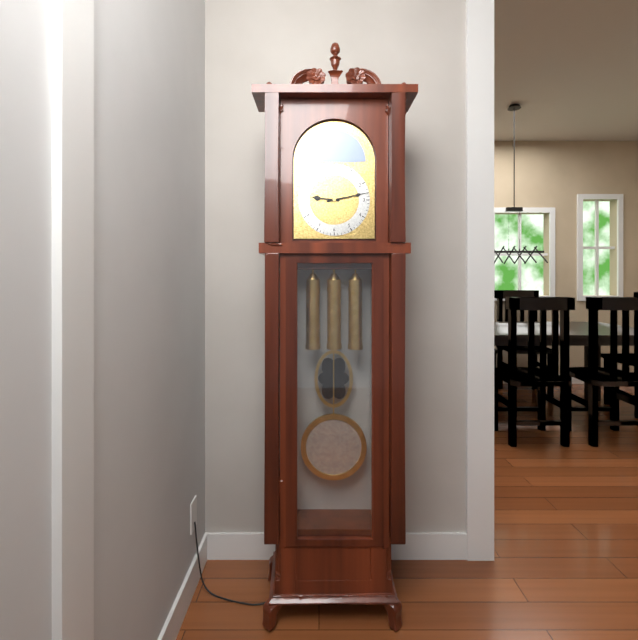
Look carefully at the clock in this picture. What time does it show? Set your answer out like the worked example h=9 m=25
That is h=9 m=13
